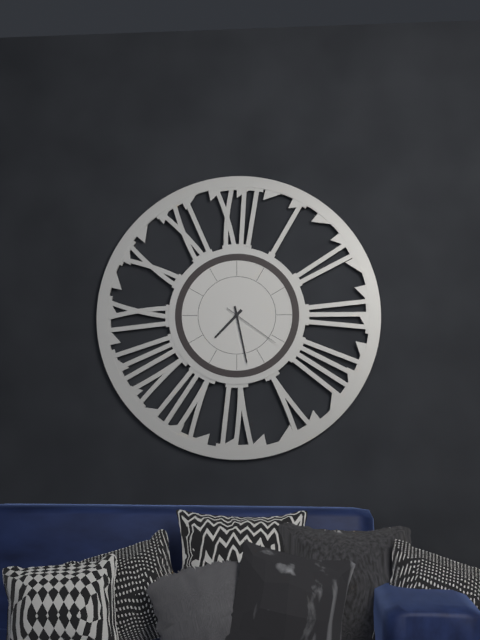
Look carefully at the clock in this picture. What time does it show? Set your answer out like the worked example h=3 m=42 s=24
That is h=7 m=28 s=21
